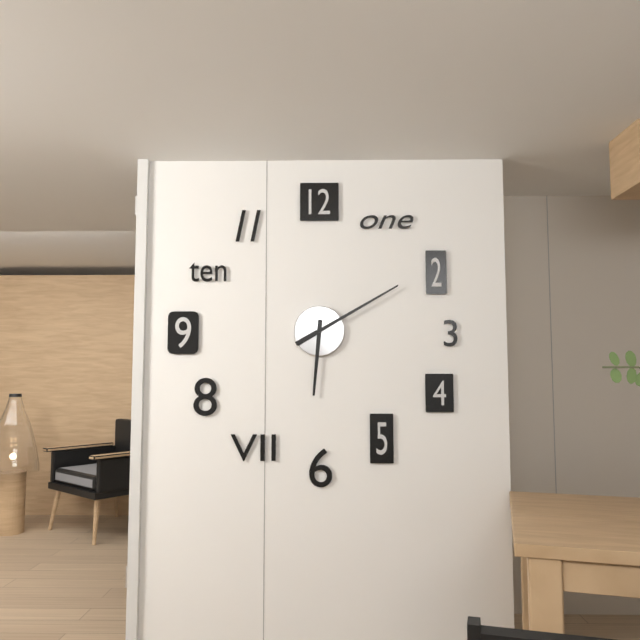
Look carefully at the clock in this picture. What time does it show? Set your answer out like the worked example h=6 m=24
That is h=6 m=10
